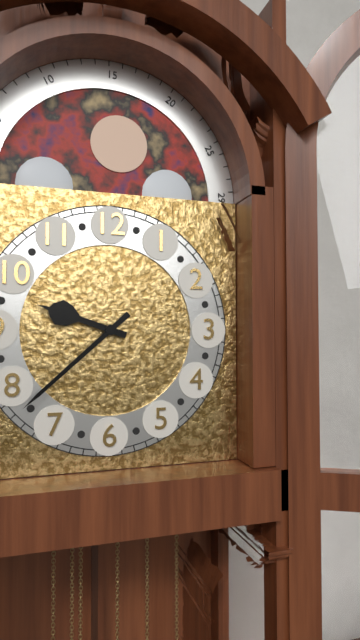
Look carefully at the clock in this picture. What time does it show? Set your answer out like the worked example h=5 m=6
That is h=9 m=38
